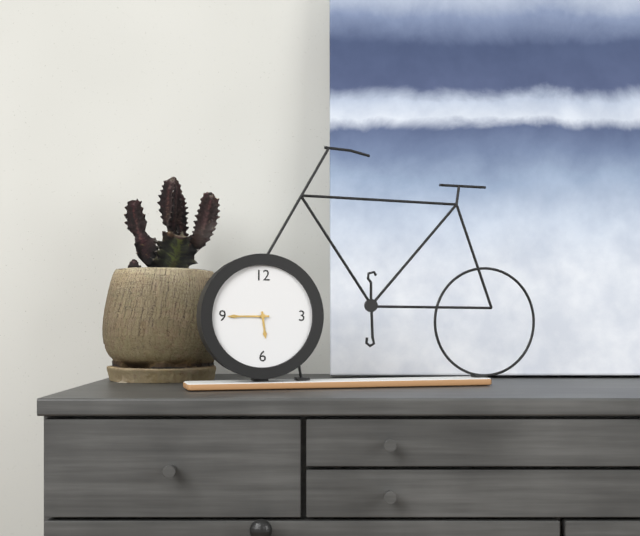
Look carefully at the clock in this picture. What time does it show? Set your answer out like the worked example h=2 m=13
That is h=5 m=45
